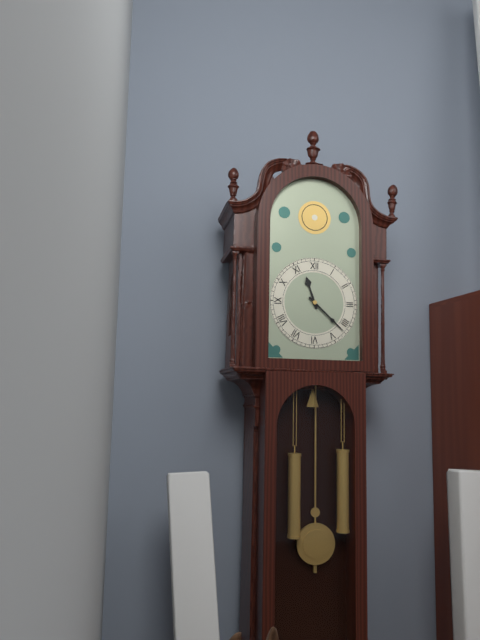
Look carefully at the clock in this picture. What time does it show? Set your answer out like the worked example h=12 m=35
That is h=11 m=22
